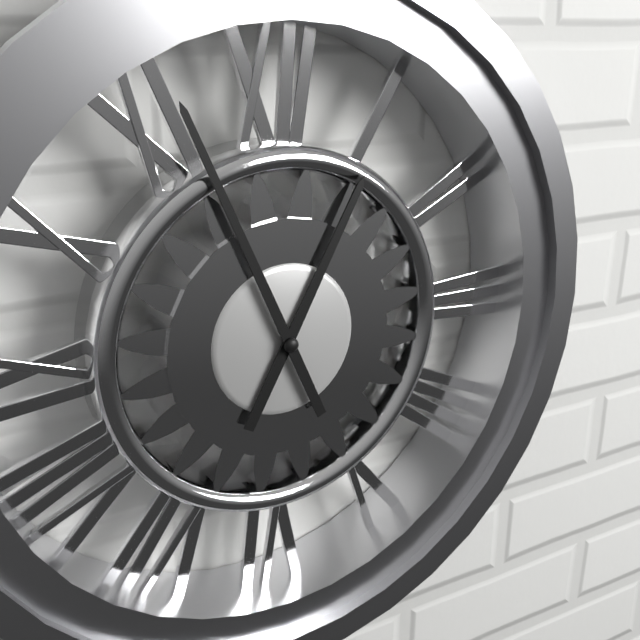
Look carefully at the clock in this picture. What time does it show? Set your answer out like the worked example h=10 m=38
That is h=12 m=56
